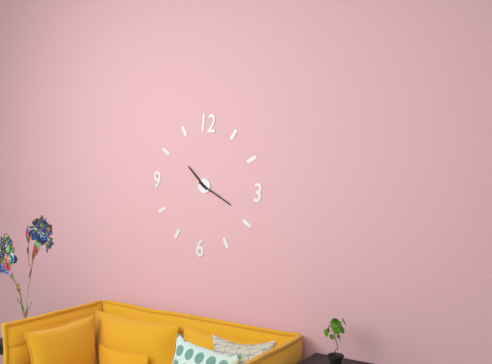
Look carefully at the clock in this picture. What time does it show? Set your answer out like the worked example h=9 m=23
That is h=10 m=19
